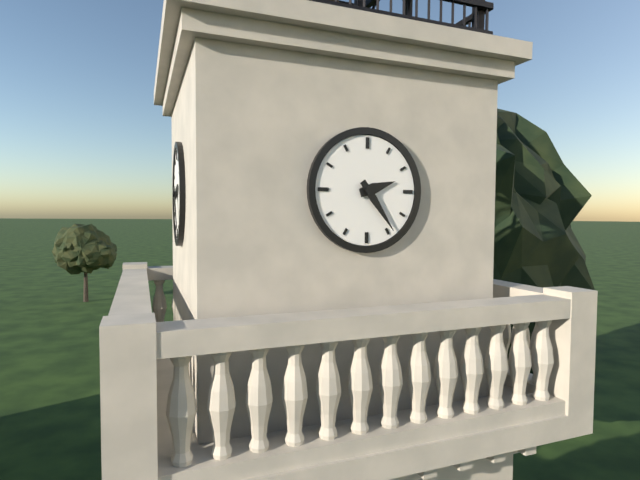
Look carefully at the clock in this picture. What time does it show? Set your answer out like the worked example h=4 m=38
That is h=2 m=24
